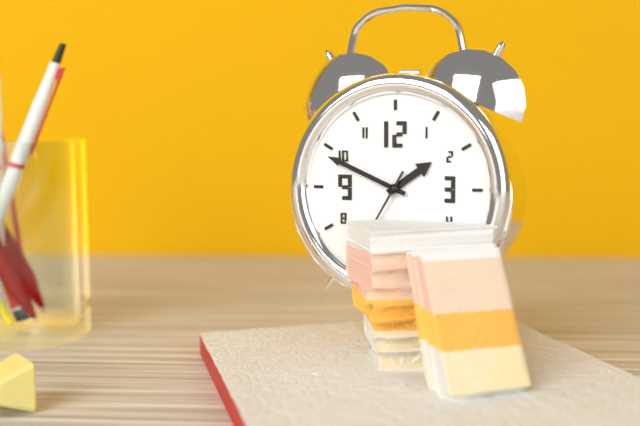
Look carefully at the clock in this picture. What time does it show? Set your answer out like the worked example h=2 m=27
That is h=1 m=49
